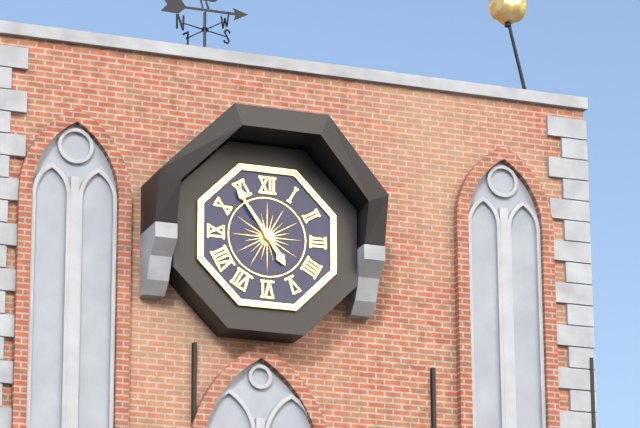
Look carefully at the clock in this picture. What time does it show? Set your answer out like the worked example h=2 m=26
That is h=4 m=54
